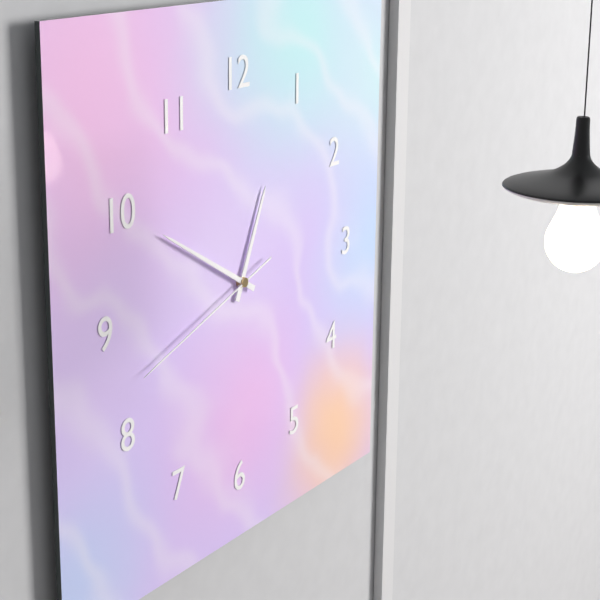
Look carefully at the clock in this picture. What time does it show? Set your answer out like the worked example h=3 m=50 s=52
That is h=12 m=50 s=42
